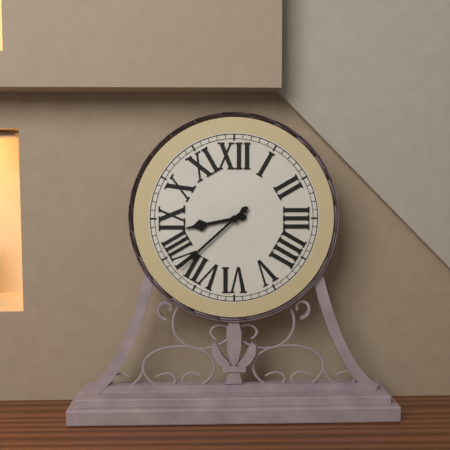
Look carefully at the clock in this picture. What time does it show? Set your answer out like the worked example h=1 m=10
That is h=8 m=38
